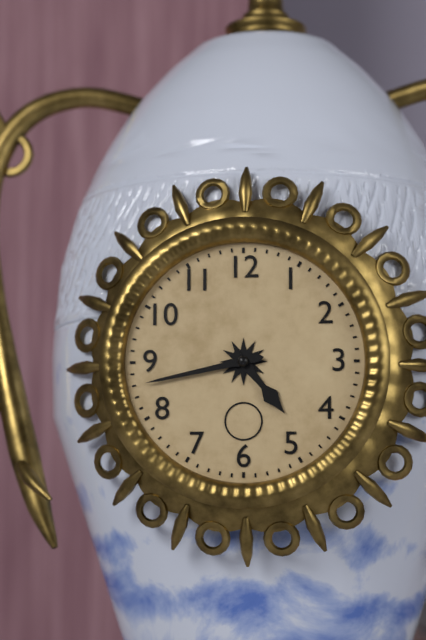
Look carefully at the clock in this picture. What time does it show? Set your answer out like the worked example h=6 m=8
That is h=4 m=43
